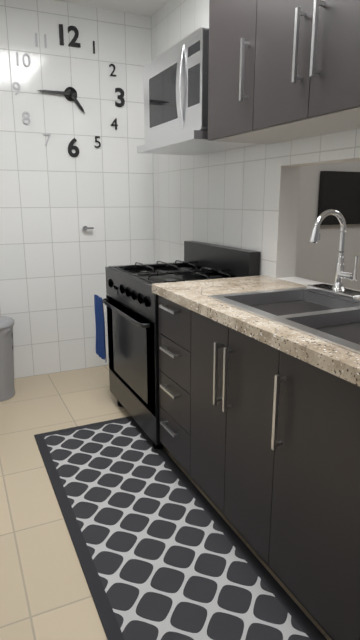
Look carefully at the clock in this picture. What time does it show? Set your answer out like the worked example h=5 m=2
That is h=4 m=45
